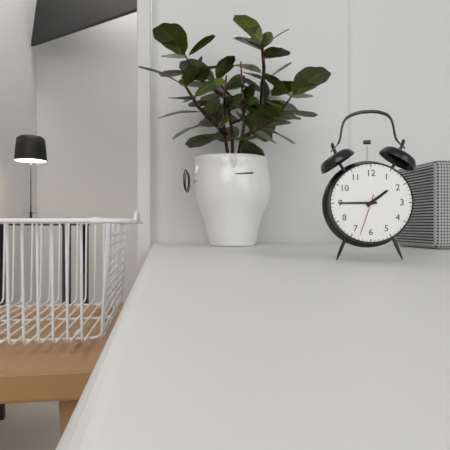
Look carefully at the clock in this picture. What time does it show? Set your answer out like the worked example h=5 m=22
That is h=1 m=45
